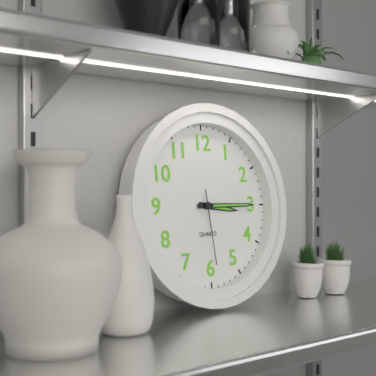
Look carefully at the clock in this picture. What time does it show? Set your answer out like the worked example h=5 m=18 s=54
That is h=3 m=15 s=29
